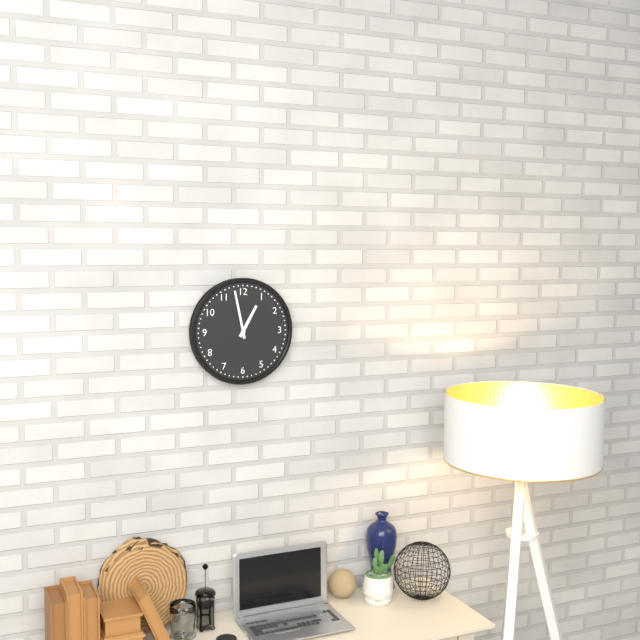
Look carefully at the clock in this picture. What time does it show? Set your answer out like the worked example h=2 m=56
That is h=12 m=58
